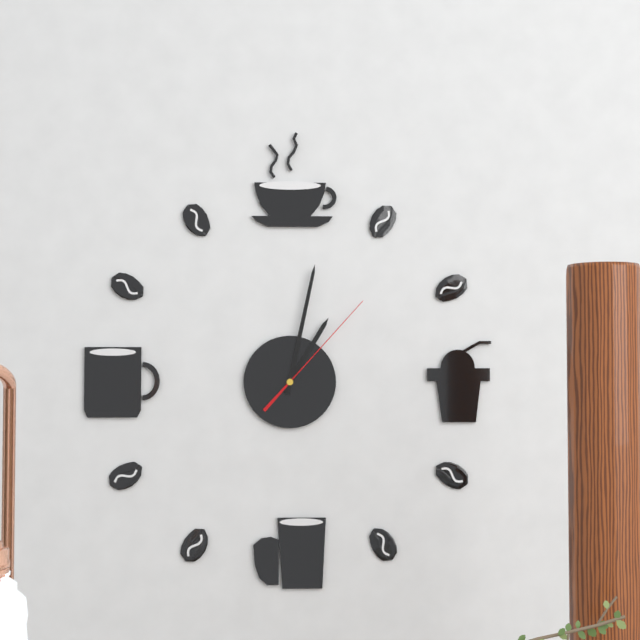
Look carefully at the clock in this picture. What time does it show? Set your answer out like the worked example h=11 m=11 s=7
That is h=1 m=2 s=7
